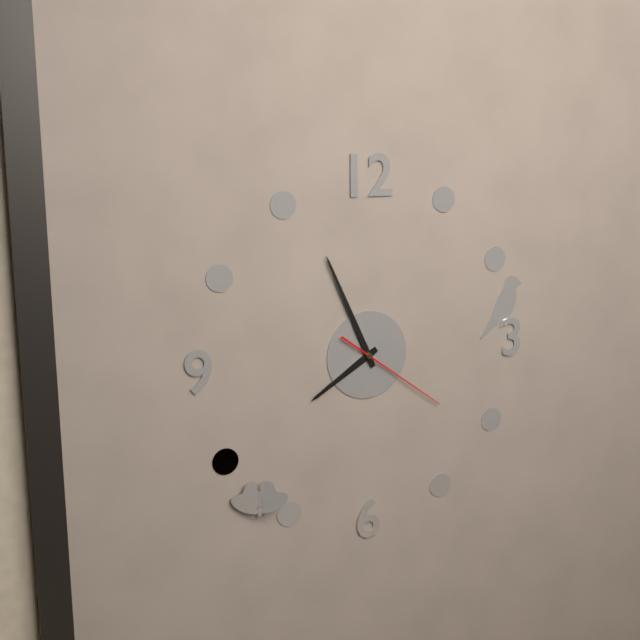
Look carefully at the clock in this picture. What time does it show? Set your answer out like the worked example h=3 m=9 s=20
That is h=7 m=56 s=21
